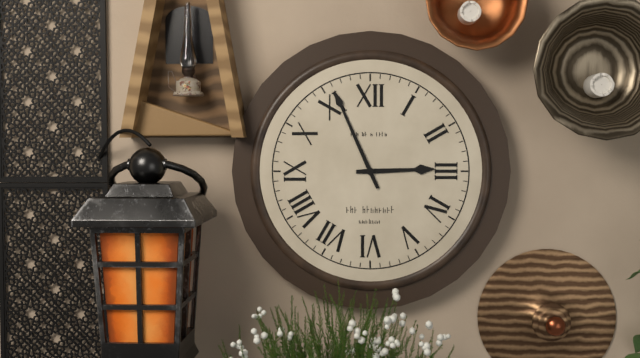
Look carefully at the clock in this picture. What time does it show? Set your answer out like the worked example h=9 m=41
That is h=2 m=56
